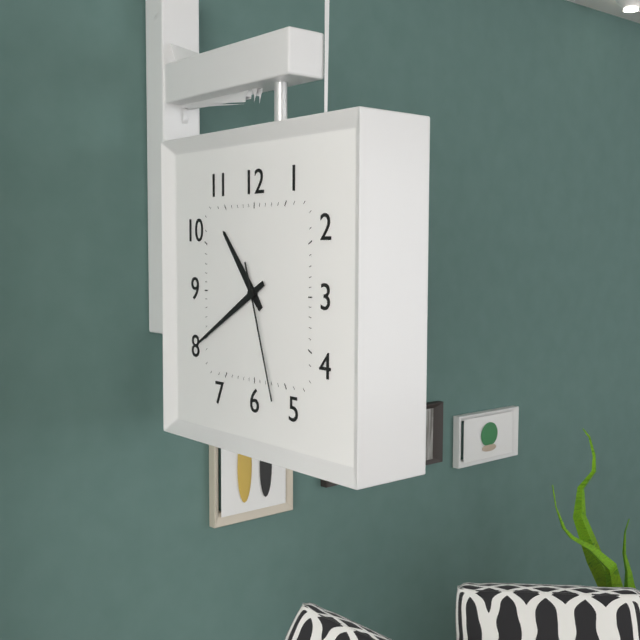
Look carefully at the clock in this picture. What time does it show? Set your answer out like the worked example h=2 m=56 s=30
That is h=10 m=40 s=27
